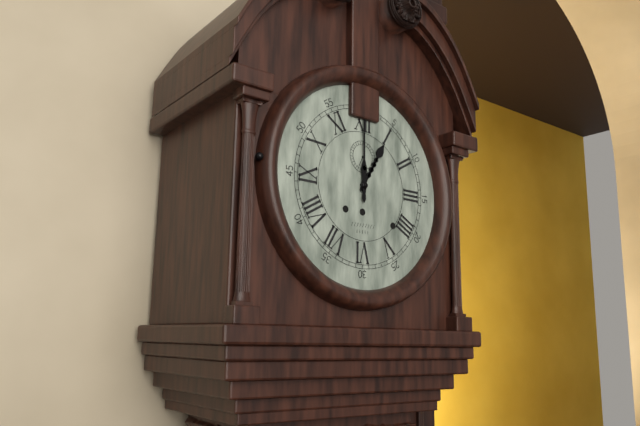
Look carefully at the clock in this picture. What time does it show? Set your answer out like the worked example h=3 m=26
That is h=1 m=0
